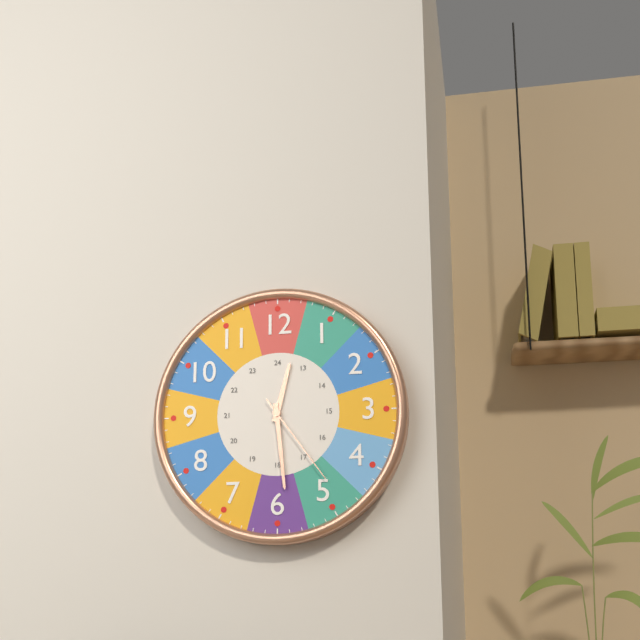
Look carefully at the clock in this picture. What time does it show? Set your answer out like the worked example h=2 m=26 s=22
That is h=12 m=29 s=24
